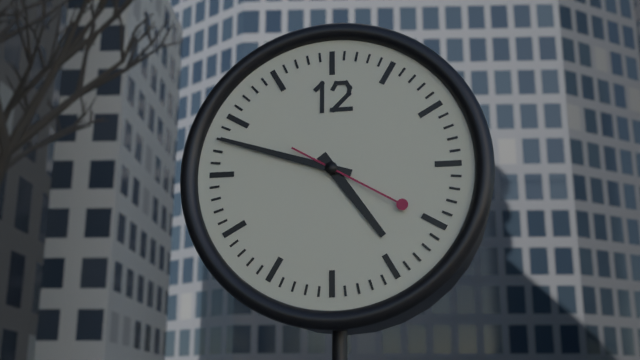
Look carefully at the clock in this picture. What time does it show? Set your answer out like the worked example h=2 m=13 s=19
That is h=4 m=48 s=20
